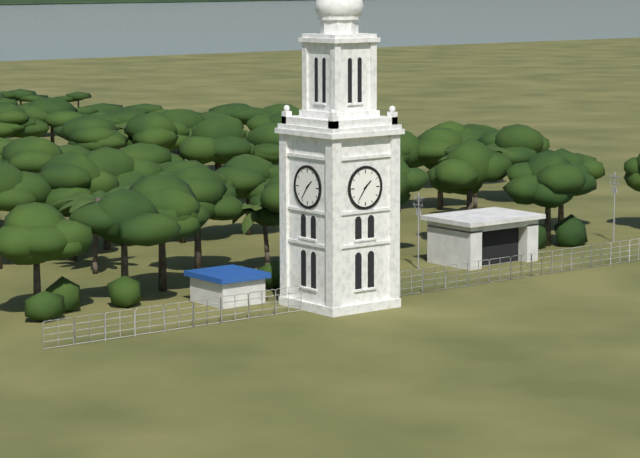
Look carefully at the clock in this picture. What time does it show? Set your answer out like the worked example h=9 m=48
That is h=1 m=36
